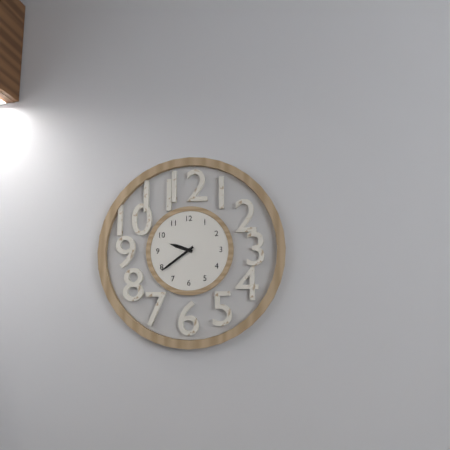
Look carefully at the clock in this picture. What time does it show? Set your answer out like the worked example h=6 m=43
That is h=9 m=39
